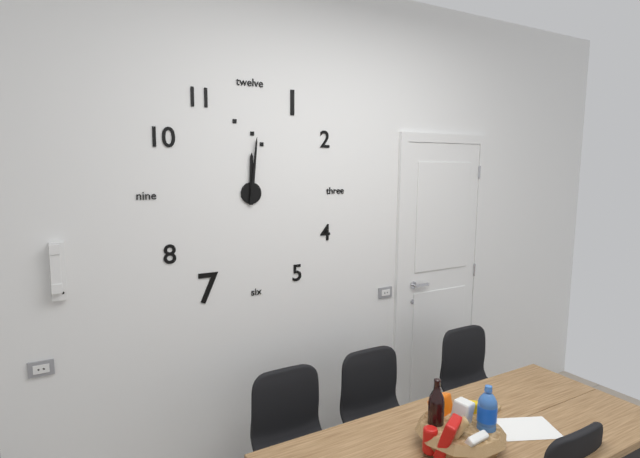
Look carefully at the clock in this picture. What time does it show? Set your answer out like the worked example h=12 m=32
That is h=12 m=1
